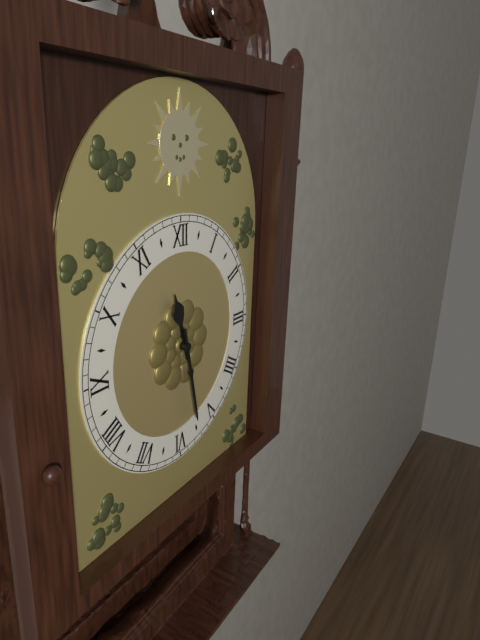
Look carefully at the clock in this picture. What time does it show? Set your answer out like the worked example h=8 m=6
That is h=11 m=28
